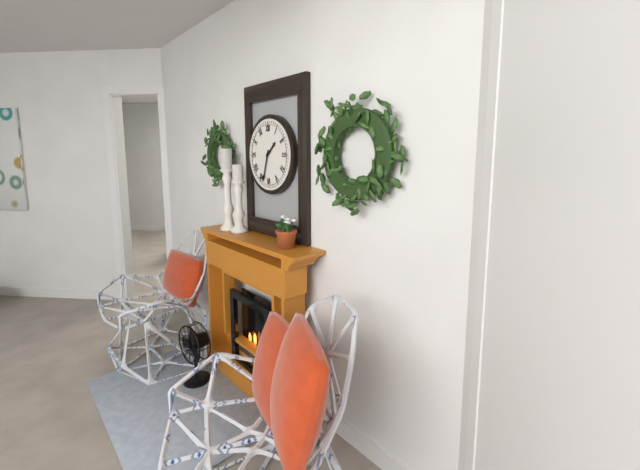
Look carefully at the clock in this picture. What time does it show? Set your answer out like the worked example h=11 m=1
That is h=1 m=33
